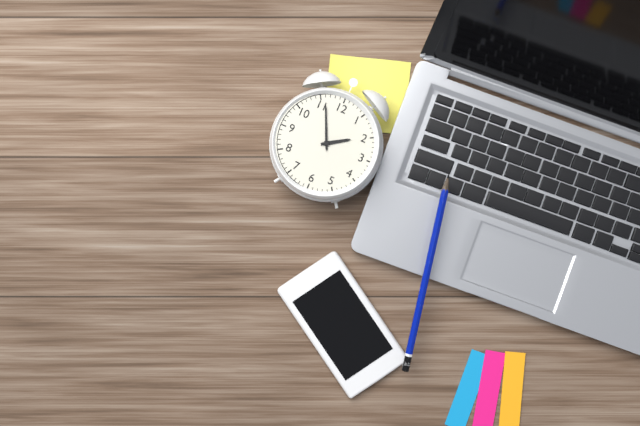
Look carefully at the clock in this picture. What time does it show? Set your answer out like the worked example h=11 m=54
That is h=1 m=56
